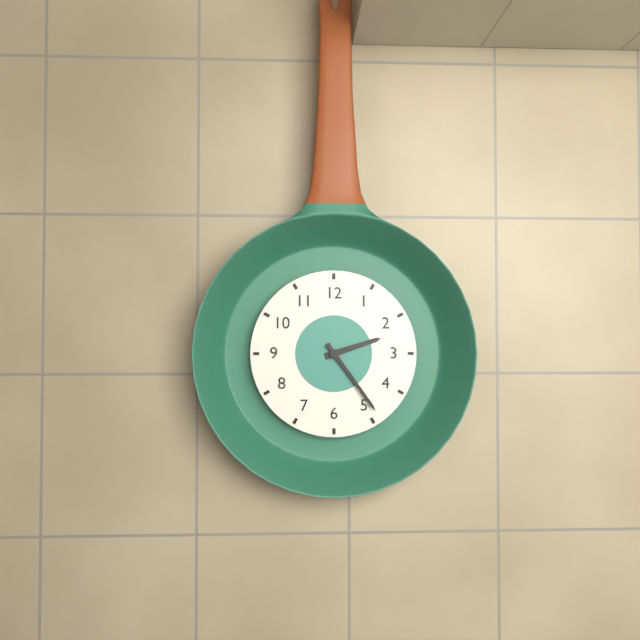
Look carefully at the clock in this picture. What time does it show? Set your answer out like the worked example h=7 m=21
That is h=2 m=24
